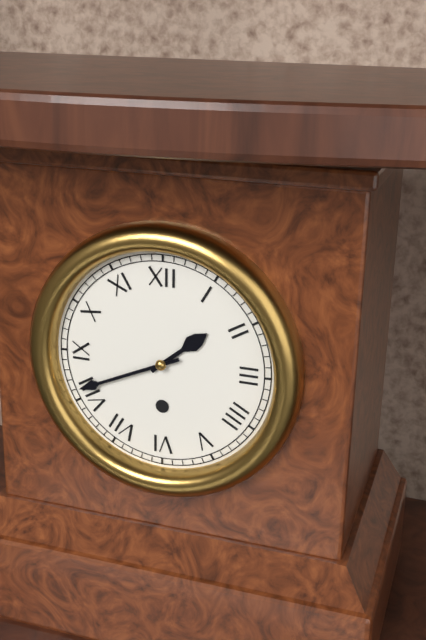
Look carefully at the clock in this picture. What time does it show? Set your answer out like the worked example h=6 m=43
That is h=1 m=41
